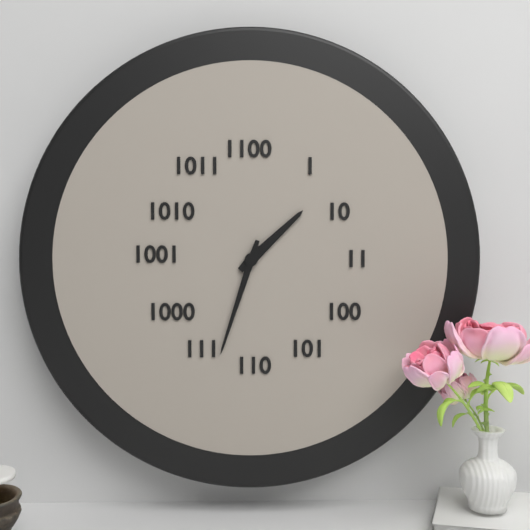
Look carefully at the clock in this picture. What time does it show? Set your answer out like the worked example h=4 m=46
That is h=1 m=33
